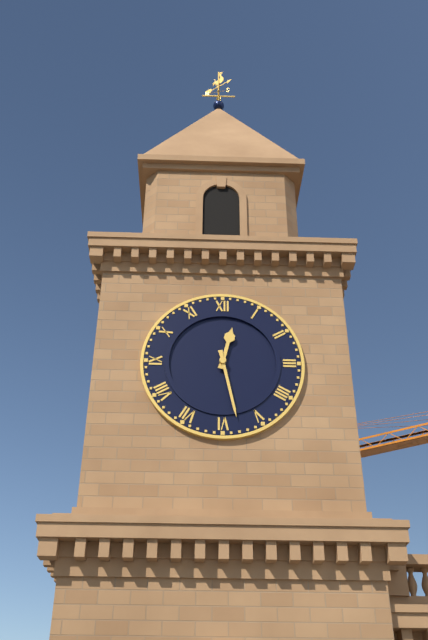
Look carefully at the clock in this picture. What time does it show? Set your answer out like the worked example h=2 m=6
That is h=12 m=28
